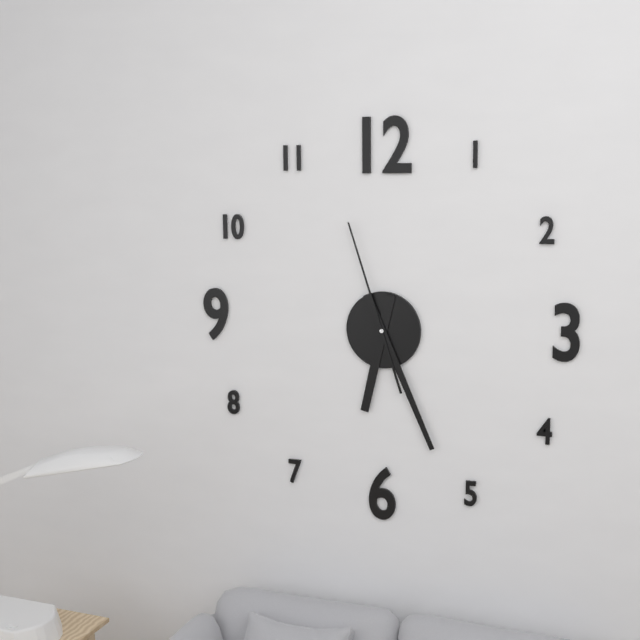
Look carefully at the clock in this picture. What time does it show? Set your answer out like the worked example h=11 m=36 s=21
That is h=6 m=26 s=57
